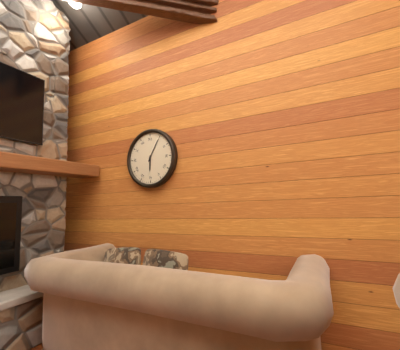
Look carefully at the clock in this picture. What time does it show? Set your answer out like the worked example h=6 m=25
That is h=6 m=5
